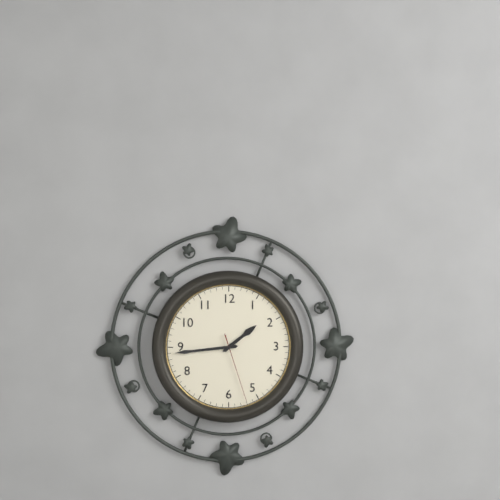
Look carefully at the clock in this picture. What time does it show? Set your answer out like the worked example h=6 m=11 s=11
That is h=1 m=44 s=27
